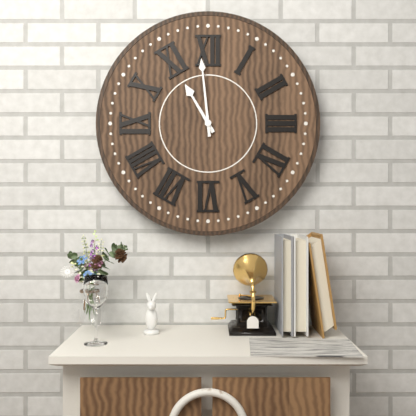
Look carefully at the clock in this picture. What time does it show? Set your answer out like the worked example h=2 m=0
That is h=10 m=59
